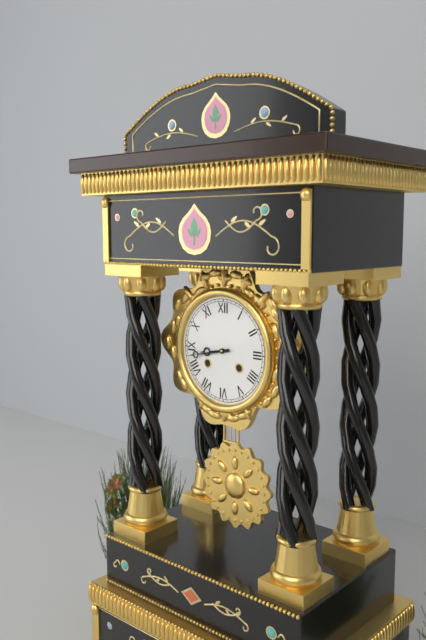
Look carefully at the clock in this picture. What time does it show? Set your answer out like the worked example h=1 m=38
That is h=8 m=43
